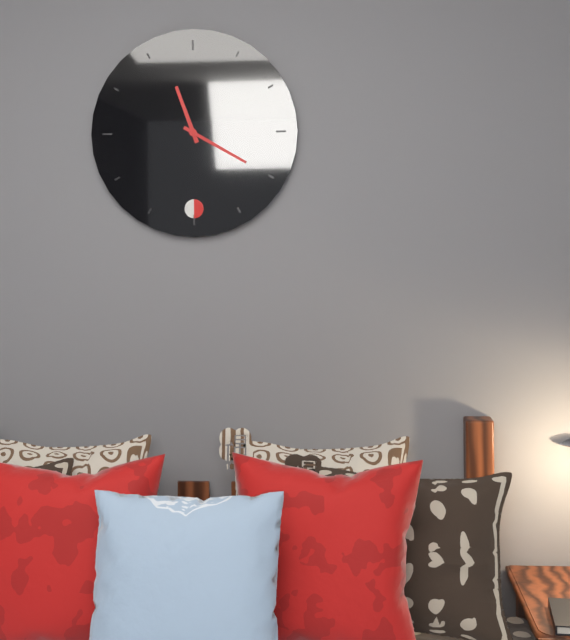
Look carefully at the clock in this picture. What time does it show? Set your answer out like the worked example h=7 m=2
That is h=11 m=20
